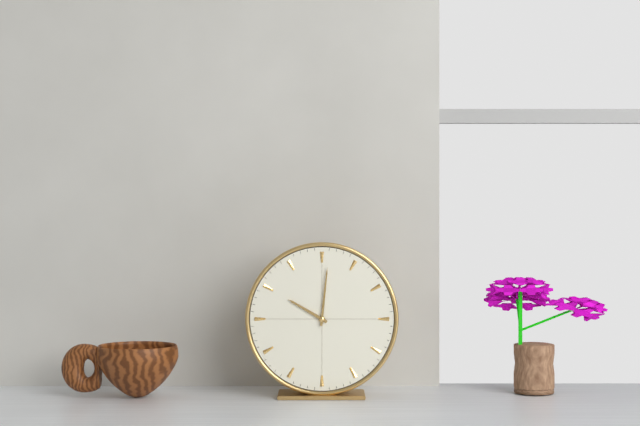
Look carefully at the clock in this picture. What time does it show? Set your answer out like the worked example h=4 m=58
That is h=10 m=1
